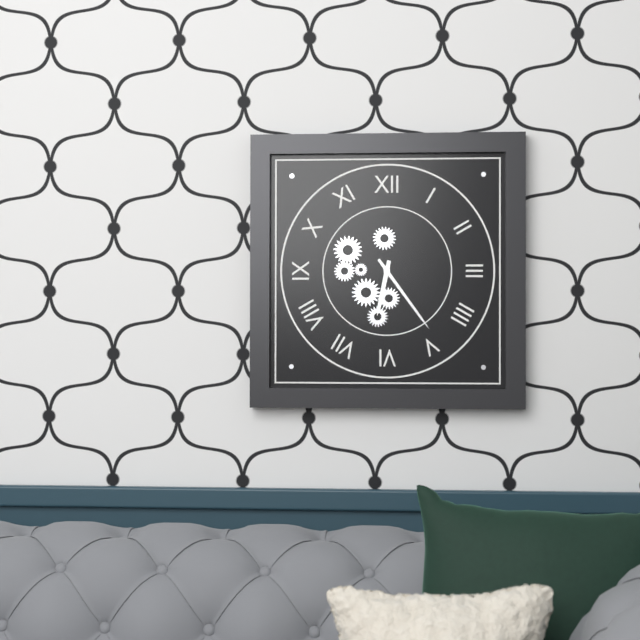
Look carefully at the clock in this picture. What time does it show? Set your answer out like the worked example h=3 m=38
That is h=6 m=24
